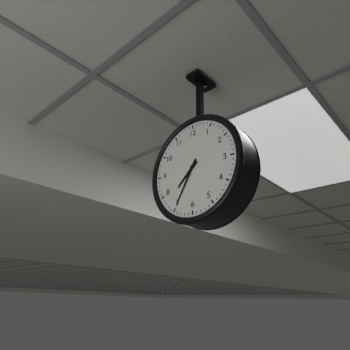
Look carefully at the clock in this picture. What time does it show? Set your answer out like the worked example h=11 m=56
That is h=7 m=35
